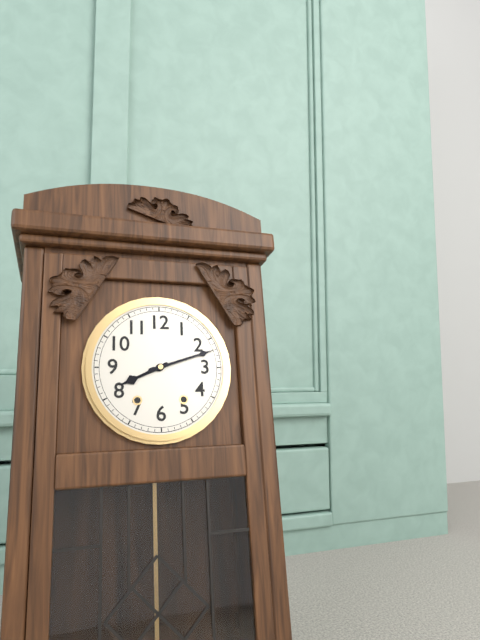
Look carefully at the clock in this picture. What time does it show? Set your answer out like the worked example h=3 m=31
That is h=8 m=12
